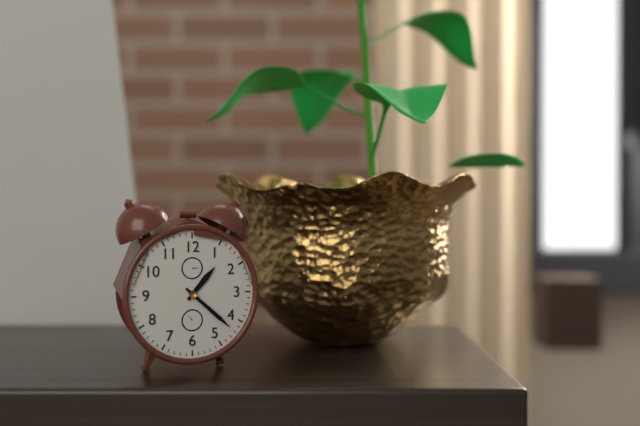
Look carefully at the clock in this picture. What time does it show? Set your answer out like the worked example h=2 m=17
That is h=1 m=22
